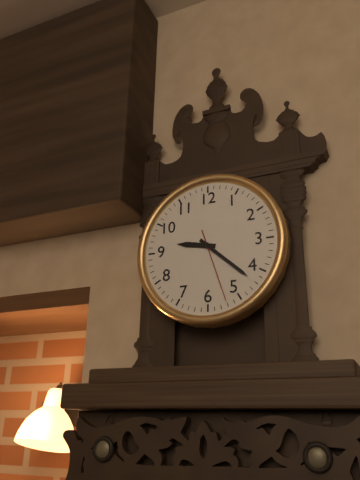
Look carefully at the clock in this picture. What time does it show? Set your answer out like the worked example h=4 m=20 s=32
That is h=9 m=22 s=27
